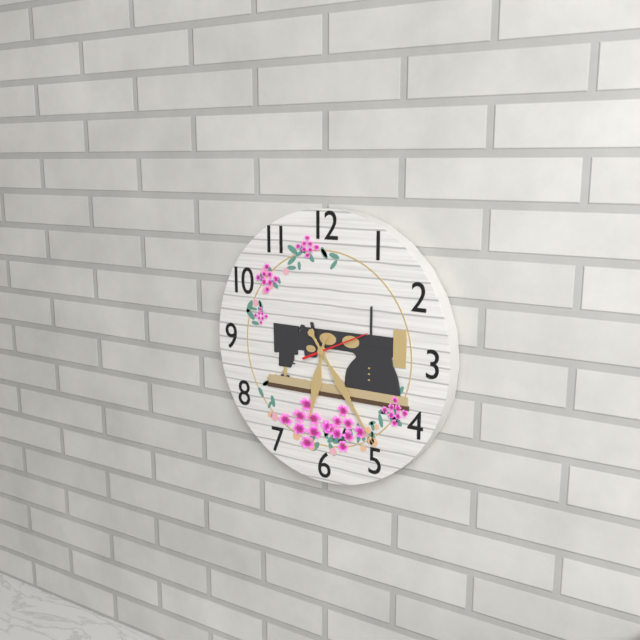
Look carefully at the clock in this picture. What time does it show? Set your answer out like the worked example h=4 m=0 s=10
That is h=6 m=24 s=11
